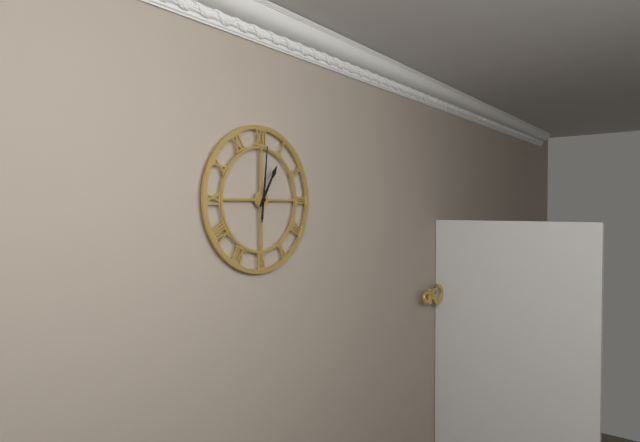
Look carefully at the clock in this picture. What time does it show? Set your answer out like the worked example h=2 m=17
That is h=1 m=1
